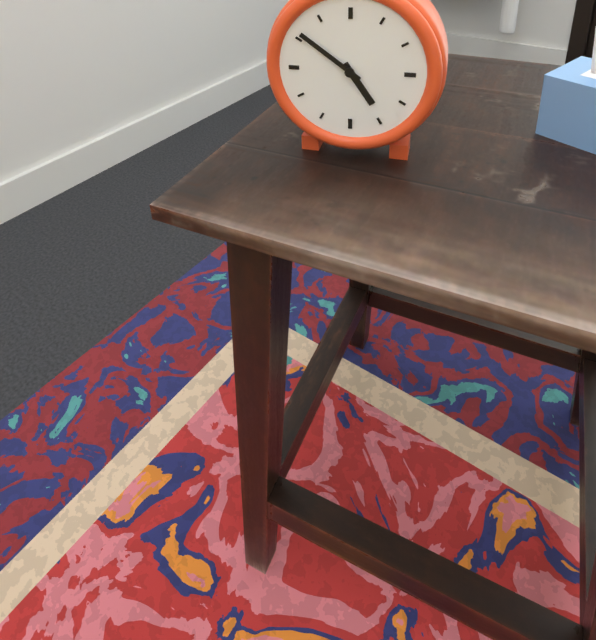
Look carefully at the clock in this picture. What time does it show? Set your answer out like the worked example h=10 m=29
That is h=4 m=51
